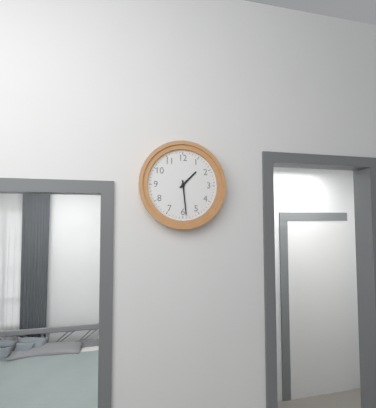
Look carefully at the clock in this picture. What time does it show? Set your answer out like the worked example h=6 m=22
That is h=1 m=29
